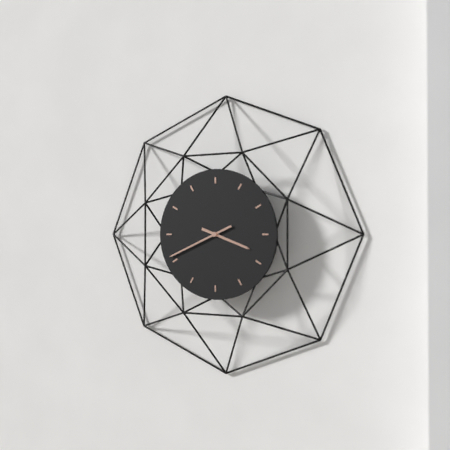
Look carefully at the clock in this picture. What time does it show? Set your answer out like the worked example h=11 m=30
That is h=3 m=41
